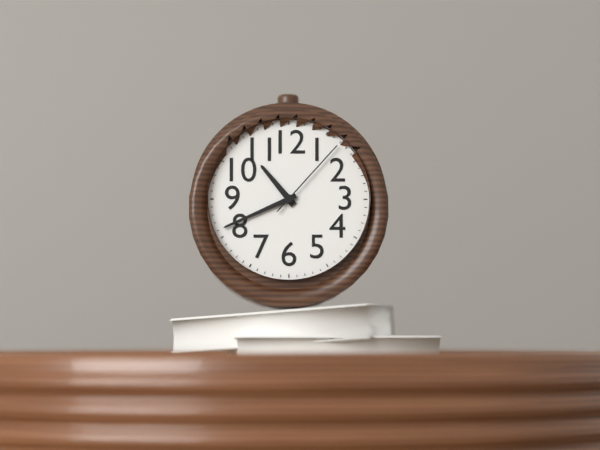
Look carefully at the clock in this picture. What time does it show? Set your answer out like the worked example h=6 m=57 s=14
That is h=10 m=41 s=7
